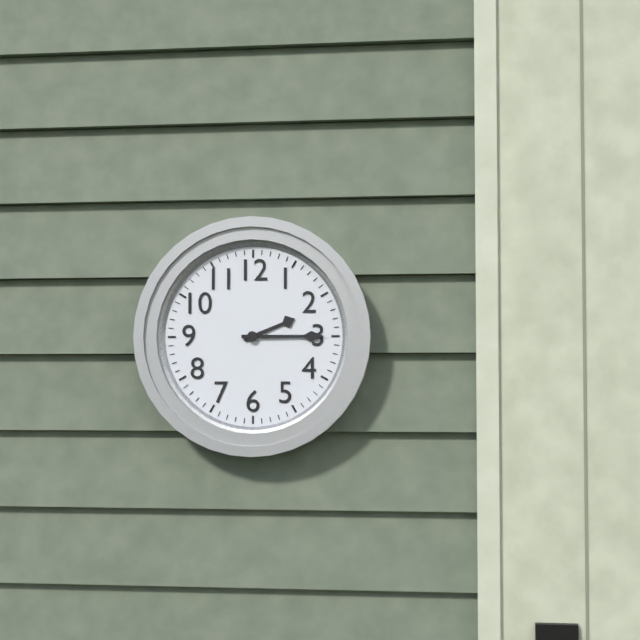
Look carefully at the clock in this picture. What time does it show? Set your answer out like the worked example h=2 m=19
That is h=2 m=15
